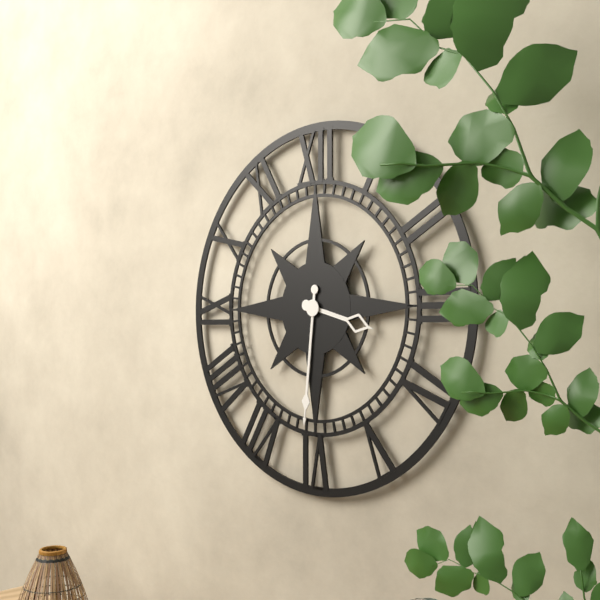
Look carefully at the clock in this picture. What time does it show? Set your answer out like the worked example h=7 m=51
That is h=3 m=31
